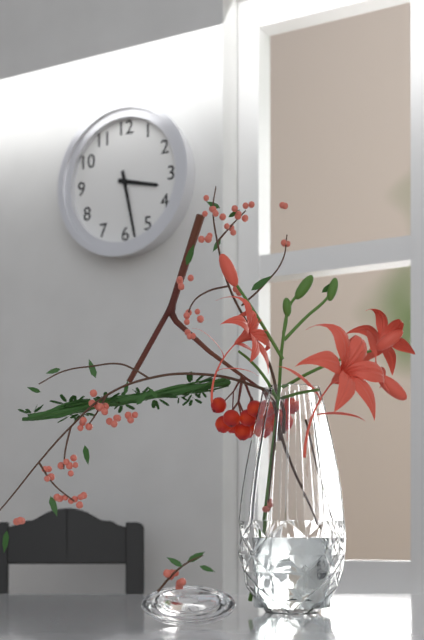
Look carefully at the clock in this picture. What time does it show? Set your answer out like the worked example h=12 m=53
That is h=3 m=28
